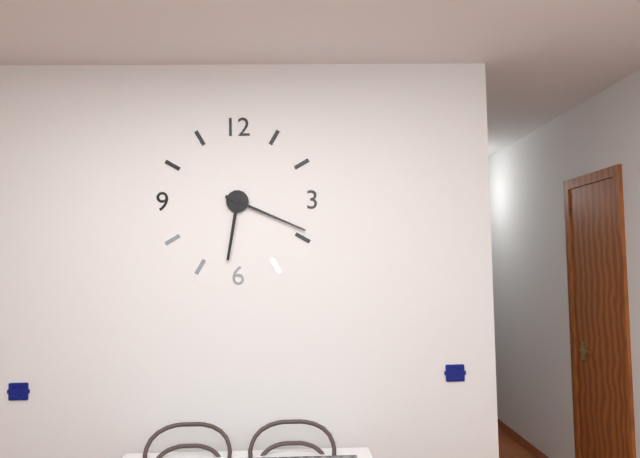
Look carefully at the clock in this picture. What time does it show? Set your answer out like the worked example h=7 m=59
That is h=6 m=19
